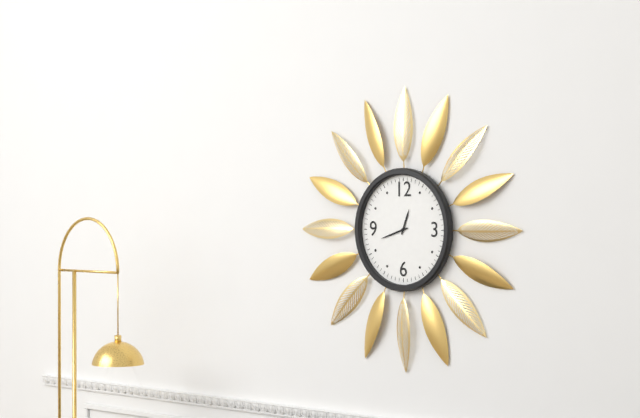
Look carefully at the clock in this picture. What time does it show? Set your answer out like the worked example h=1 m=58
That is h=12 m=42
